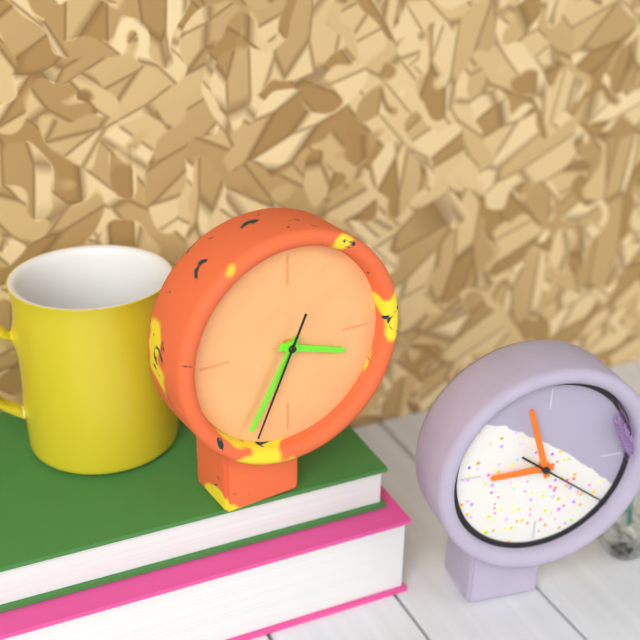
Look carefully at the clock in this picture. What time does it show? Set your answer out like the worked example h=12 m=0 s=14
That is h=3 m=35 s=34
